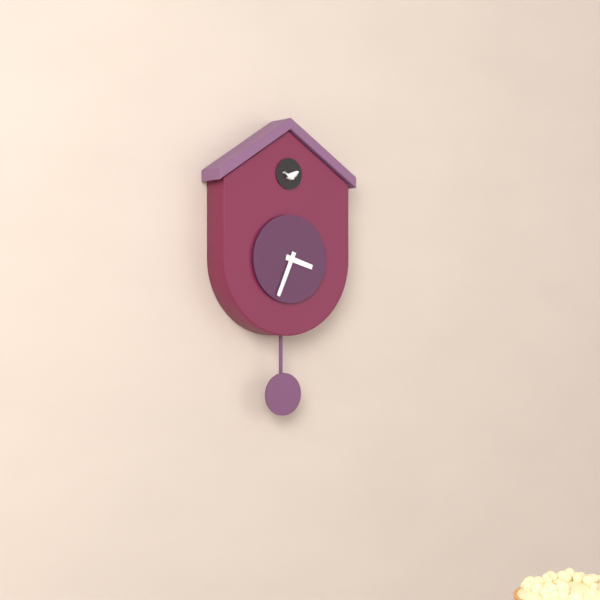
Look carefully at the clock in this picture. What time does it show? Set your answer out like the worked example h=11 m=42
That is h=3 m=34
